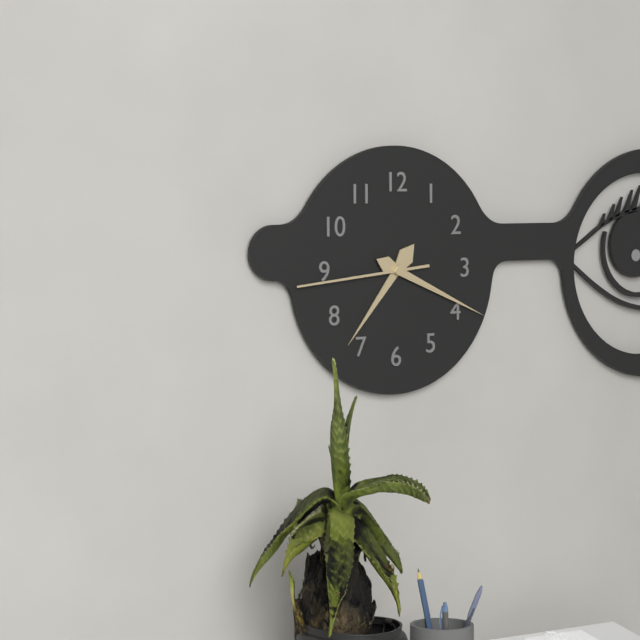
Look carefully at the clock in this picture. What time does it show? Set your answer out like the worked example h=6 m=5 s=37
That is h=7 m=19 s=44
